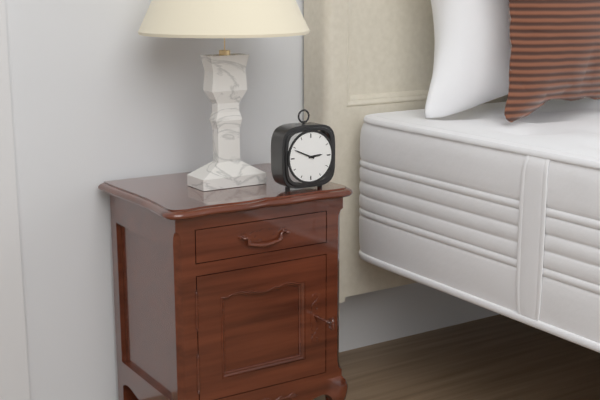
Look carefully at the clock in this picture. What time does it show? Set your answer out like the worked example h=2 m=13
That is h=2 m=49
